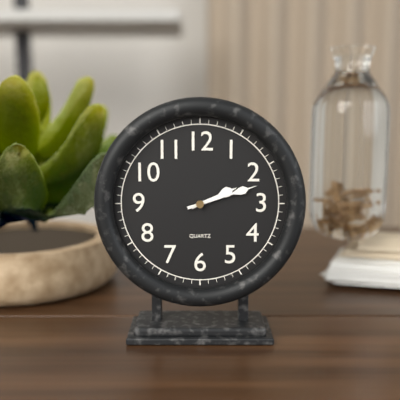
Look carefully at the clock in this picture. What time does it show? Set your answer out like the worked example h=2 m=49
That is h=2 m=12
